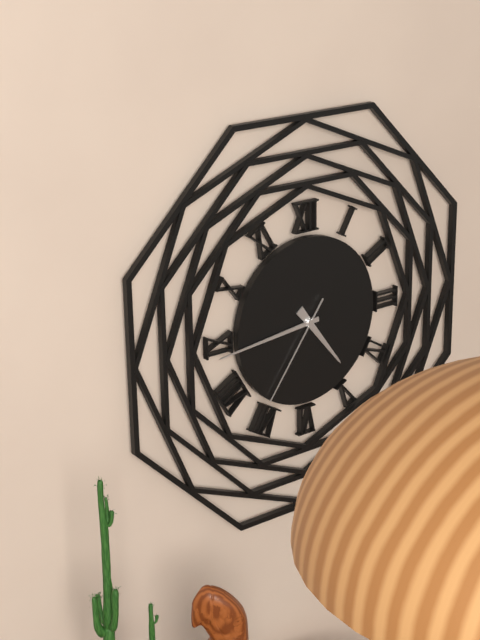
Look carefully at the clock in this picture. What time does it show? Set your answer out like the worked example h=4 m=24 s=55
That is h=4 m=44 s=36
